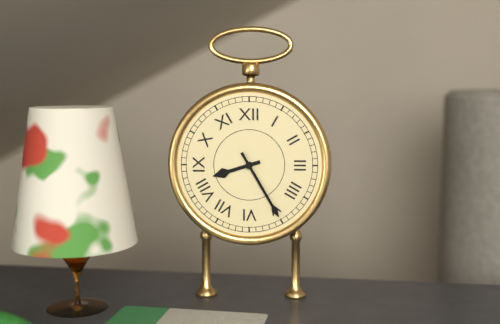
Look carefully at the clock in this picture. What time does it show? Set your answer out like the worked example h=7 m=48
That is h=8 m=25
